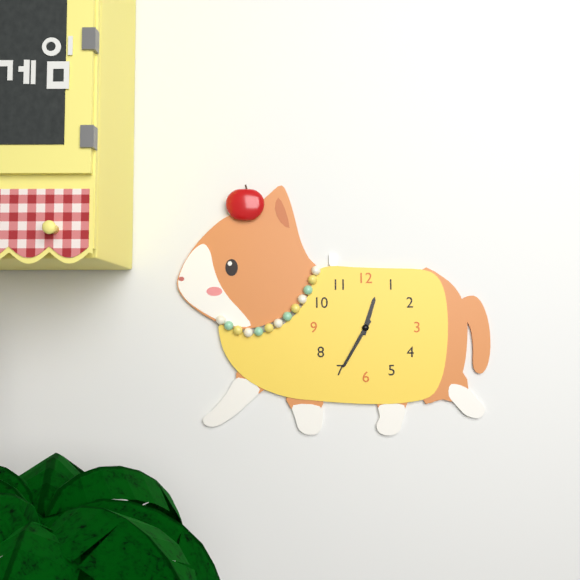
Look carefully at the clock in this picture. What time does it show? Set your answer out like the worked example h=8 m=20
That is h=12 m=35
